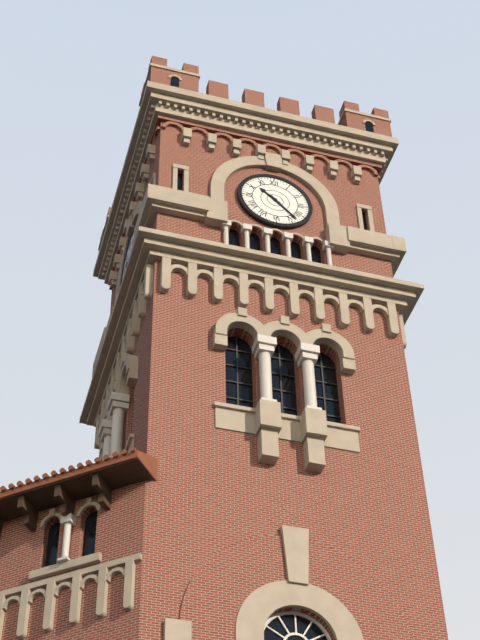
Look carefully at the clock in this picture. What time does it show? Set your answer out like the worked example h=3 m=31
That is h=10 m=23
